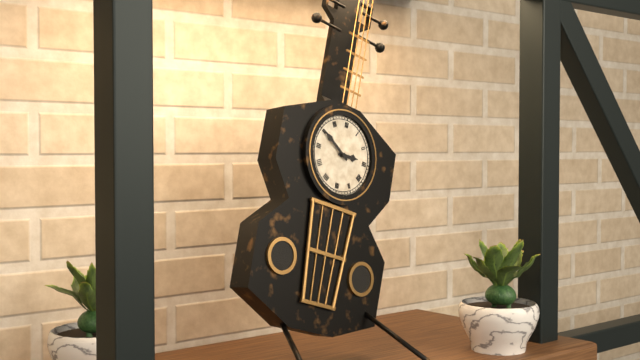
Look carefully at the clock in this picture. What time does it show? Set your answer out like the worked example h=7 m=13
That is h=2 m=50
